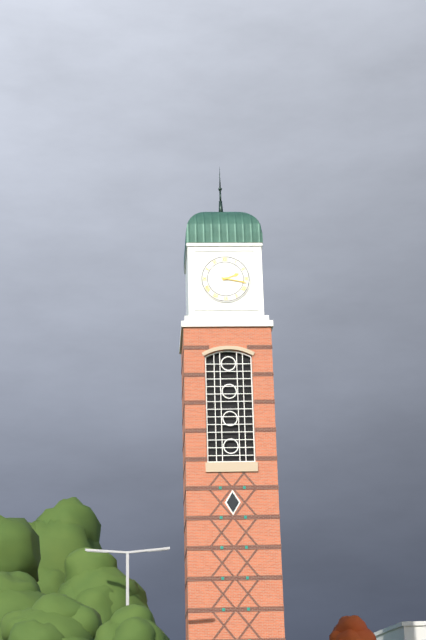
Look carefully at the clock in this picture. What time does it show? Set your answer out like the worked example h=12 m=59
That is h=2 m=17
